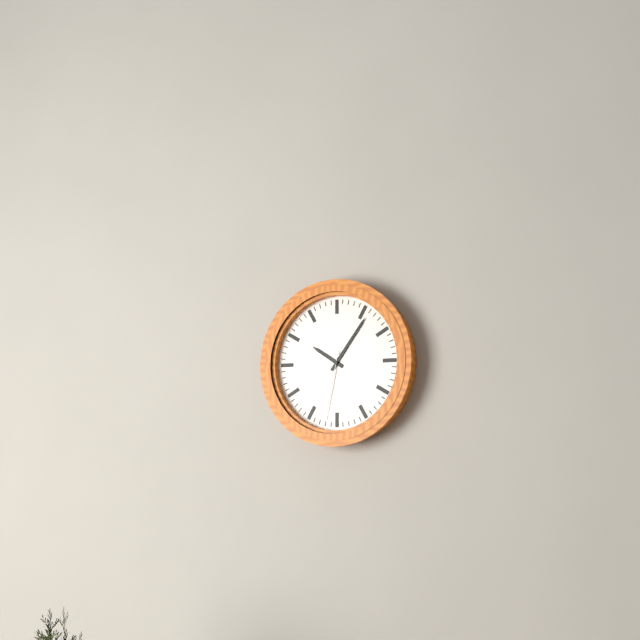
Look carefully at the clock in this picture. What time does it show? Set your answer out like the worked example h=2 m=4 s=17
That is h=10 m=6 s=32
